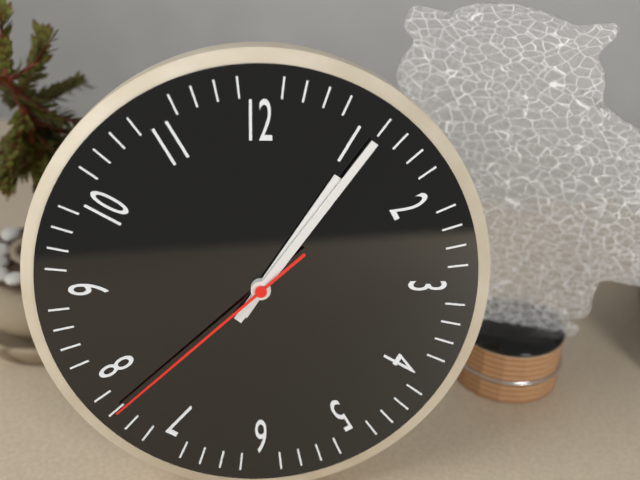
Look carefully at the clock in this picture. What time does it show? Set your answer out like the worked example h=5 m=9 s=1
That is h=1 m=6 s=38
